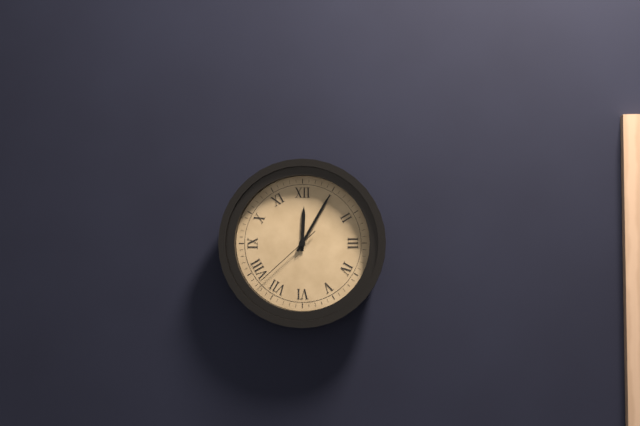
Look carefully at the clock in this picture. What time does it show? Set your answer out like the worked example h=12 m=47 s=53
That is h=12 m=5 s=38
